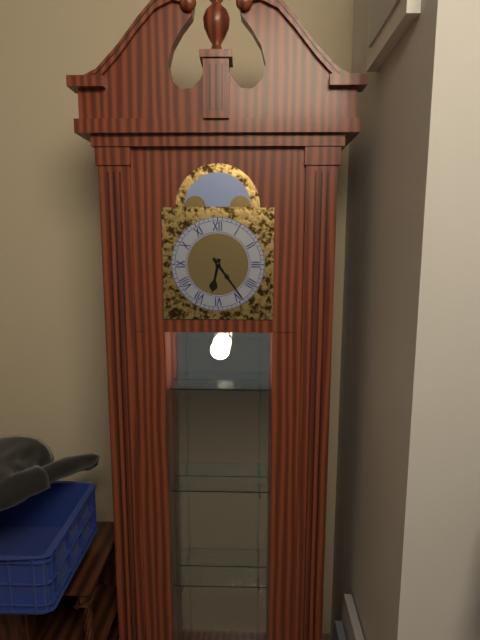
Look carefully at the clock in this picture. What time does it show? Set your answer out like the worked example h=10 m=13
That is h=6 m=24
